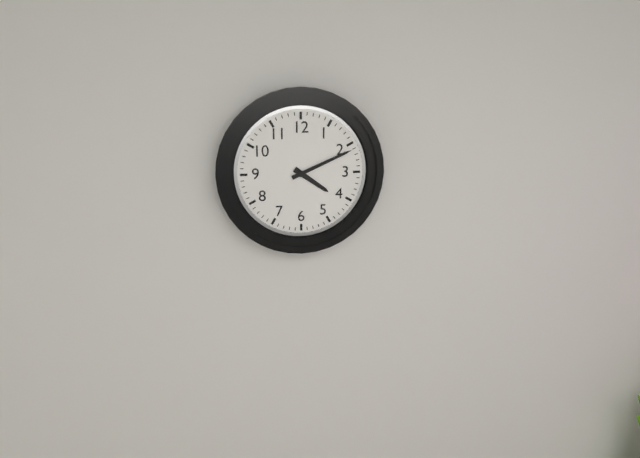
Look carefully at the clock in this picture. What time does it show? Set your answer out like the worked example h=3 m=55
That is h=4 m=11
